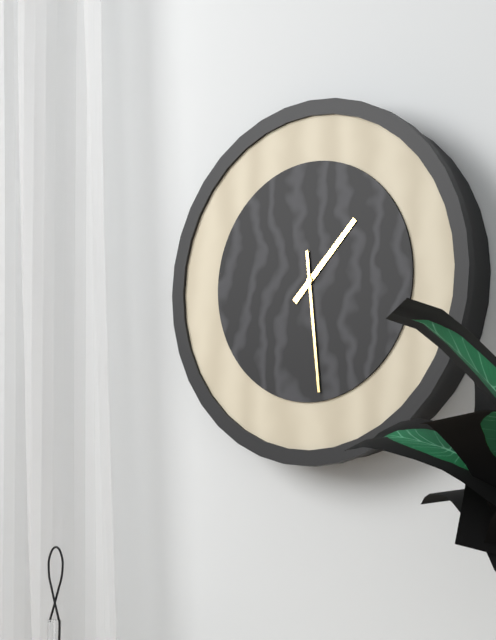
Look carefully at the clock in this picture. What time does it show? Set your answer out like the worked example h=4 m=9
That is h=1 m=29
